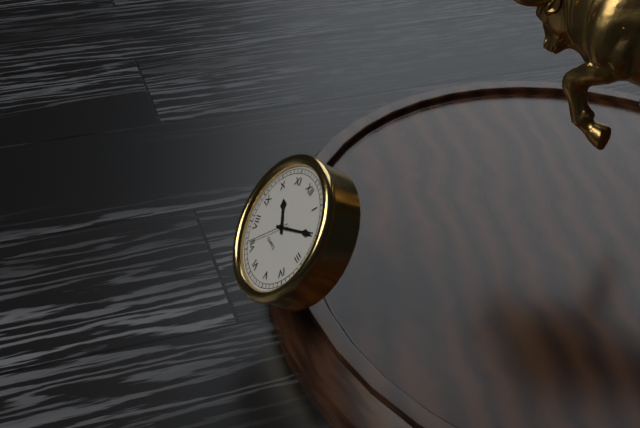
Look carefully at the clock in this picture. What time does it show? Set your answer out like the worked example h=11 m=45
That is h=10 m=10
